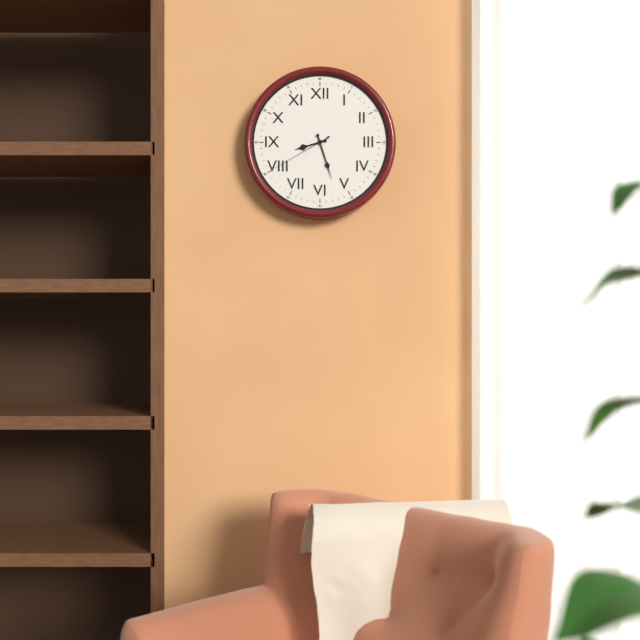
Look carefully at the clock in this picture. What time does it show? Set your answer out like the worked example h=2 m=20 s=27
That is h=8 m=27 s=40
